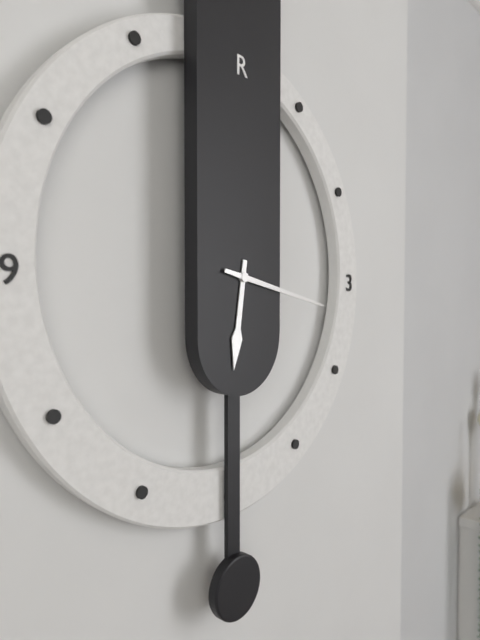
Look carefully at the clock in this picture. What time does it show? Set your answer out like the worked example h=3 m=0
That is h=6 m=17
